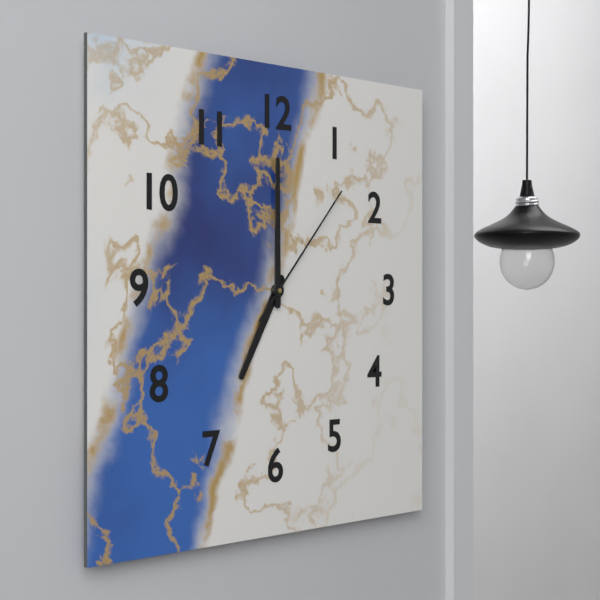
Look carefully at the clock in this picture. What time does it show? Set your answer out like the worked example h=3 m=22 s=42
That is h=7 m=0 s=7
